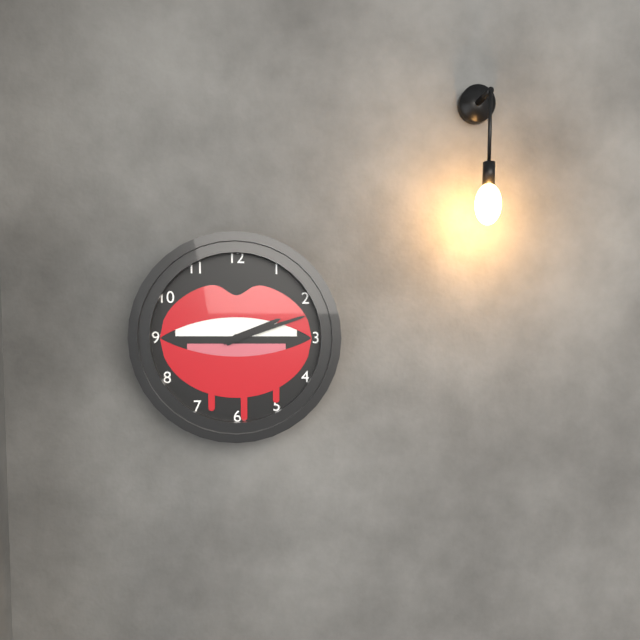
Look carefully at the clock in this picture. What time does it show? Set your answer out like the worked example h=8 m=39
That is h=2 m=12
